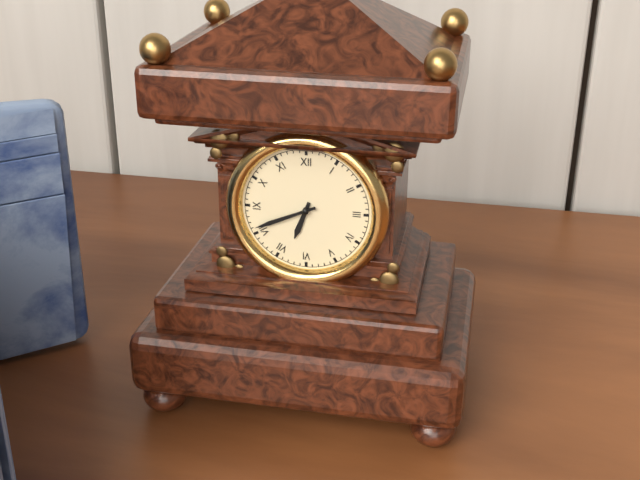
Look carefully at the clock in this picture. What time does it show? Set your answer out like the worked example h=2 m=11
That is h=6 m=41
